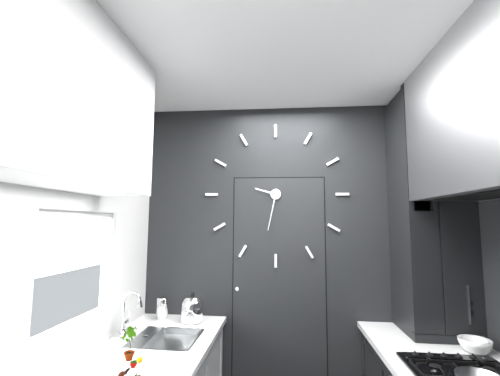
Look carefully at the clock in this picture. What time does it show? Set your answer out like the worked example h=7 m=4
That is h=9 m=32
